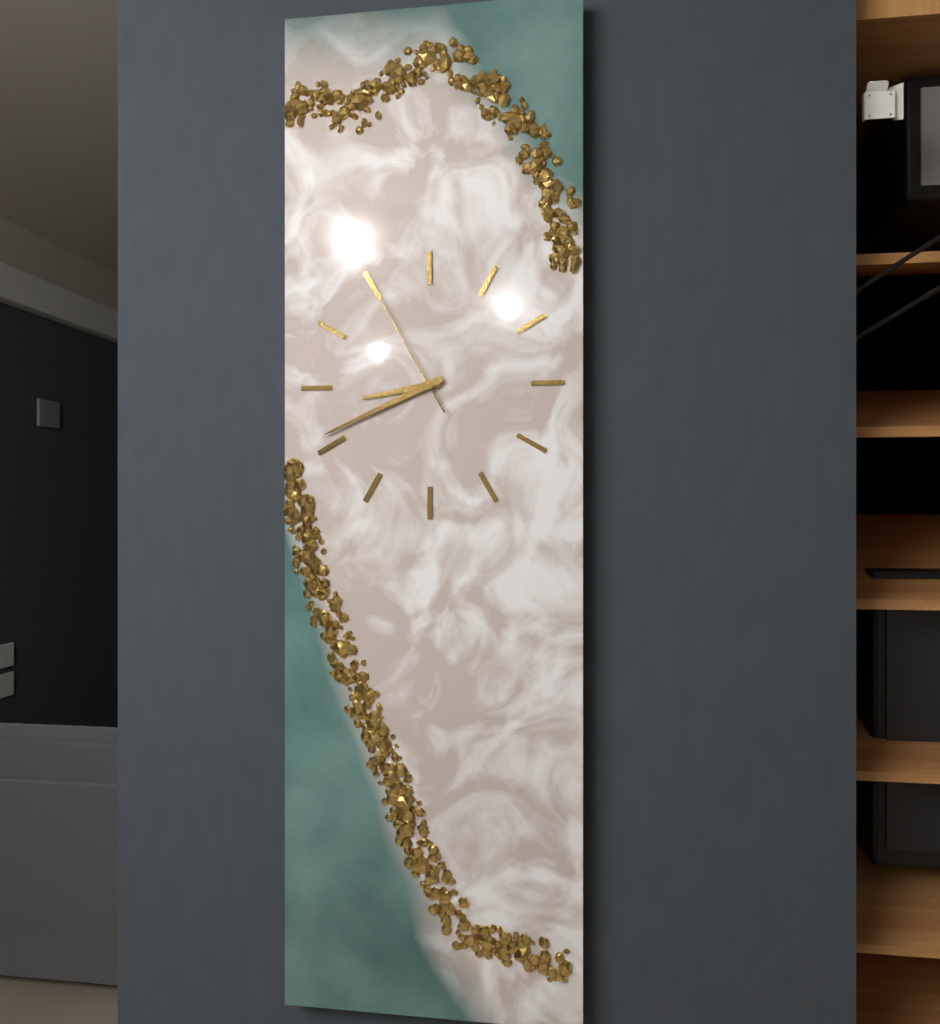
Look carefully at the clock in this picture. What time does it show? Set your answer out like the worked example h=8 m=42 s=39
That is h=8 m=41 s=55
